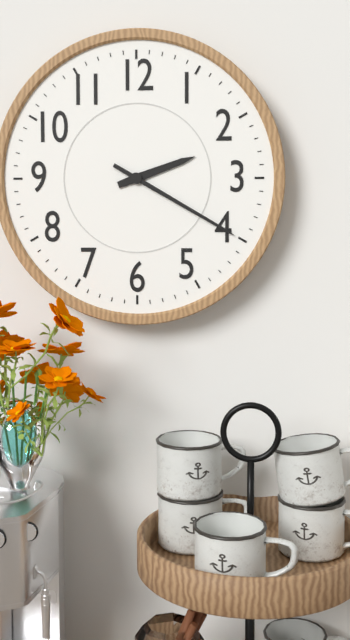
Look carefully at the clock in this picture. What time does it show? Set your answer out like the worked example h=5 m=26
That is h=2 m=20
